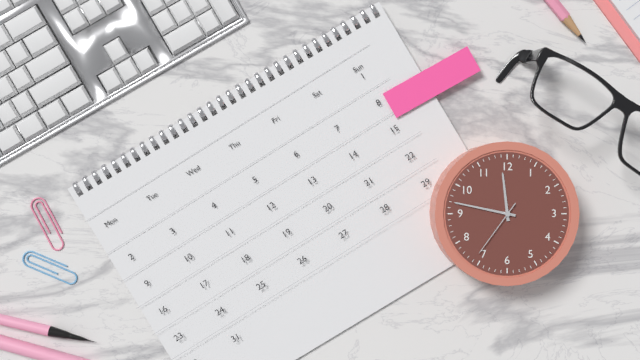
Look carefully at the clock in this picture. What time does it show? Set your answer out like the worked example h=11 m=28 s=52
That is h=11 m=47 s=36
